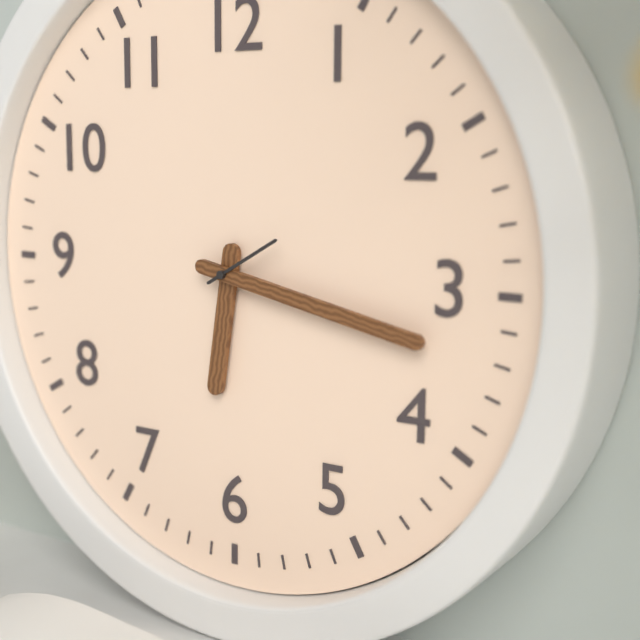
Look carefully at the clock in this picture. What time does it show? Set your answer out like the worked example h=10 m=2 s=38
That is h=6 m=17 s=10
